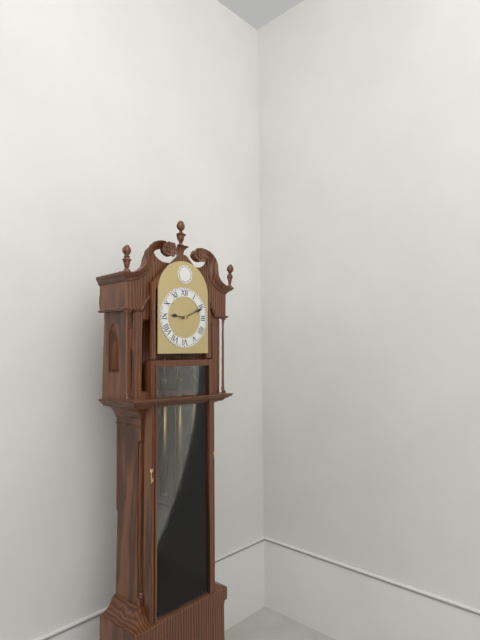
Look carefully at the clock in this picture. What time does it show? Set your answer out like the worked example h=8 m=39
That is h=9 m=11
